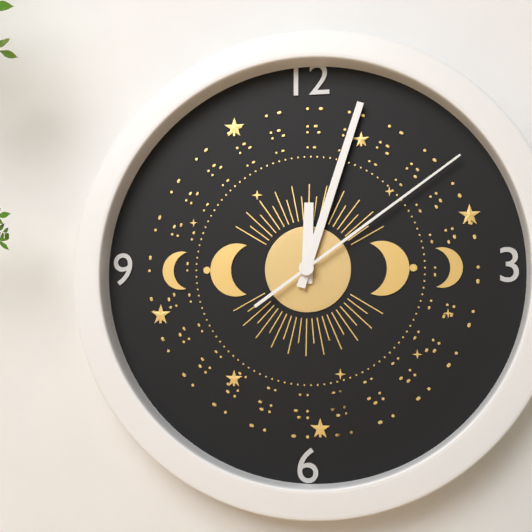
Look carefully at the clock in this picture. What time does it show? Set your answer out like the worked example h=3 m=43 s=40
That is h=12 m=3 s=9
